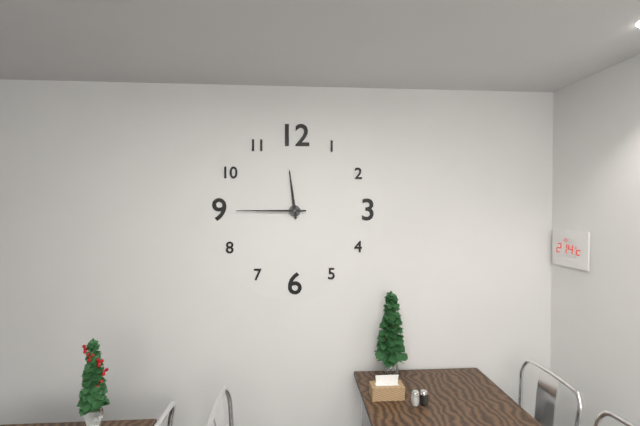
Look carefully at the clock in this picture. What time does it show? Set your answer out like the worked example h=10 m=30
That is h=11 m=45
